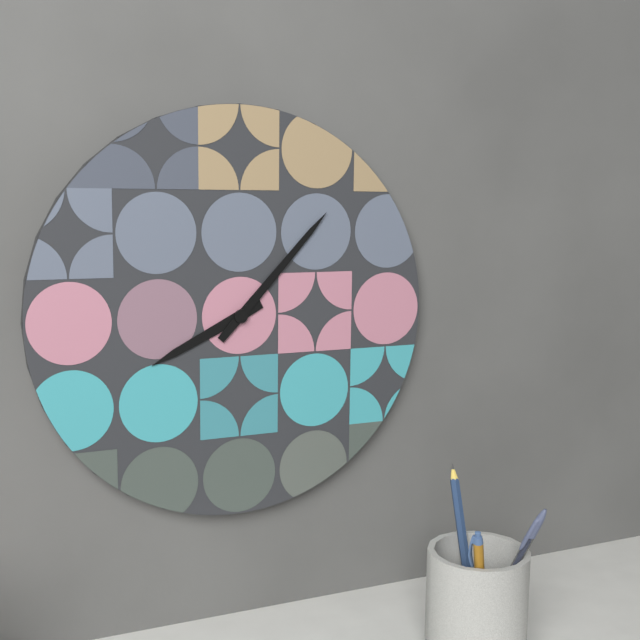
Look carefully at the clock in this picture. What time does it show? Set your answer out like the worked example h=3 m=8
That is h=8 m=7
